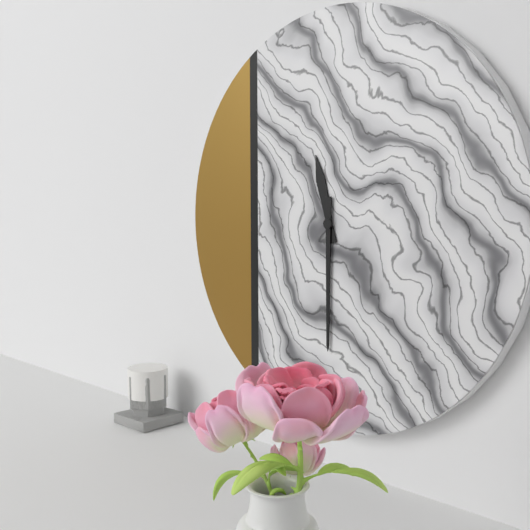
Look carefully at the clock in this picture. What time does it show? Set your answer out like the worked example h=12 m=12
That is h=11 m=30
